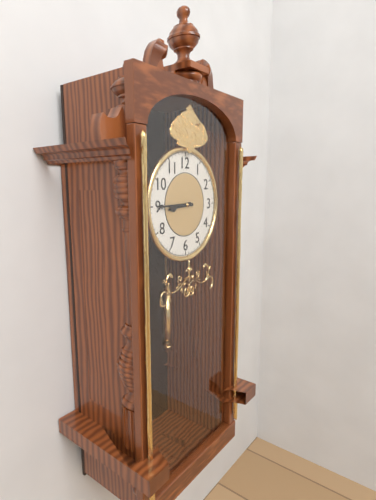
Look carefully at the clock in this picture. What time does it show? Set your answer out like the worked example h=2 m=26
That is h=8 m=45
